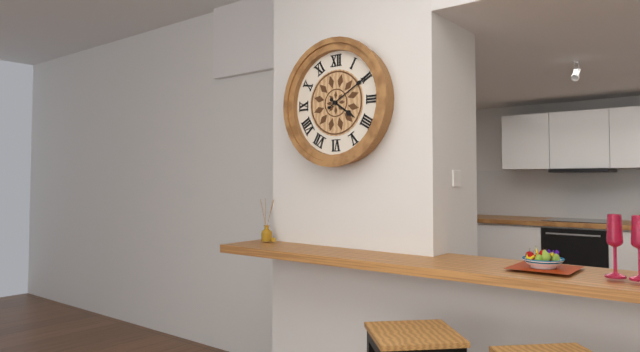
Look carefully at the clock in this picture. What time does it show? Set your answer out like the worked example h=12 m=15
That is h=4 m=10
